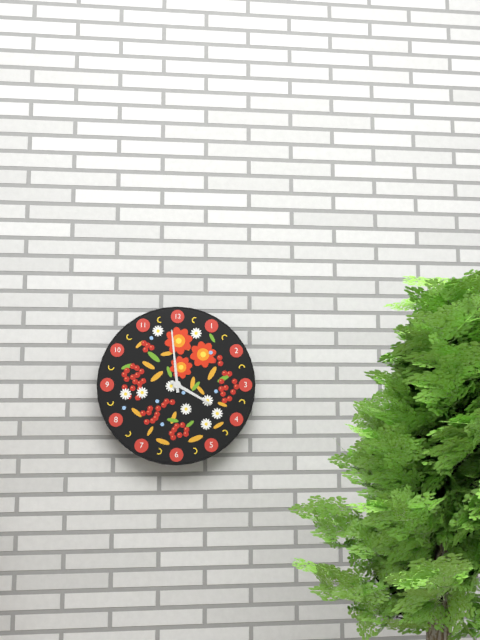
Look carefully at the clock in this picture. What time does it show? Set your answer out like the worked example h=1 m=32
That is h=3 m=59
